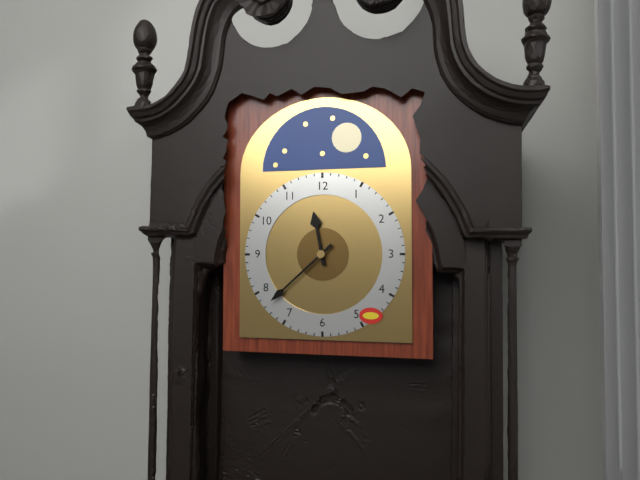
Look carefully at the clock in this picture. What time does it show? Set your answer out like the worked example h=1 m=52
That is h=11 m=38
